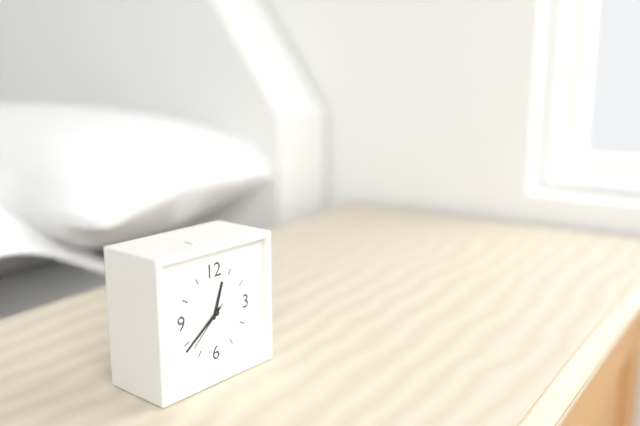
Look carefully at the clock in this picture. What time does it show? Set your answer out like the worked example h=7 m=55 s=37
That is h=12 m=39 s=38
